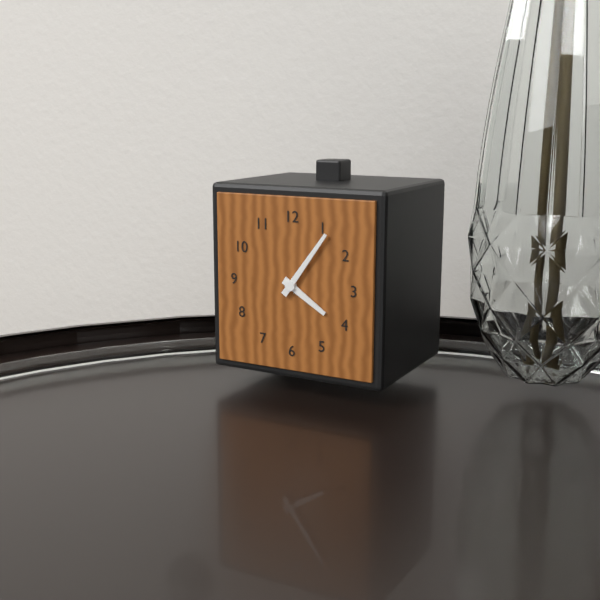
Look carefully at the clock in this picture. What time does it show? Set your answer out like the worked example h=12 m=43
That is h=4 m=6
